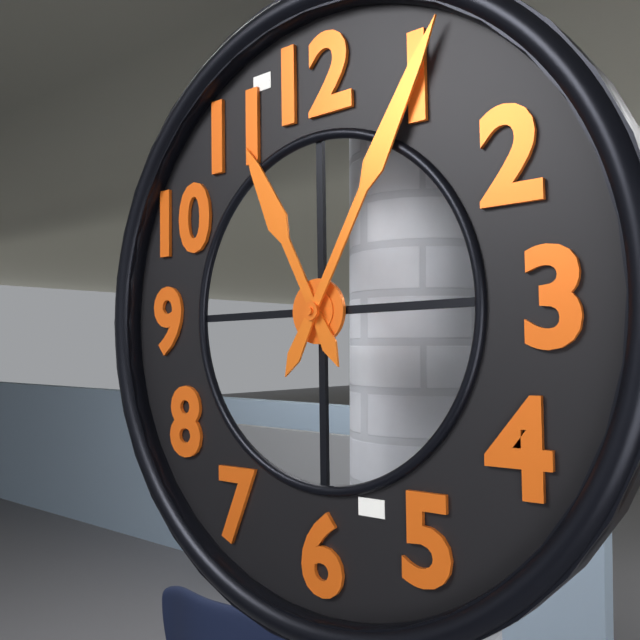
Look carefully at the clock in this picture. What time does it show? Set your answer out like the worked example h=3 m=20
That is h=11 m=5
